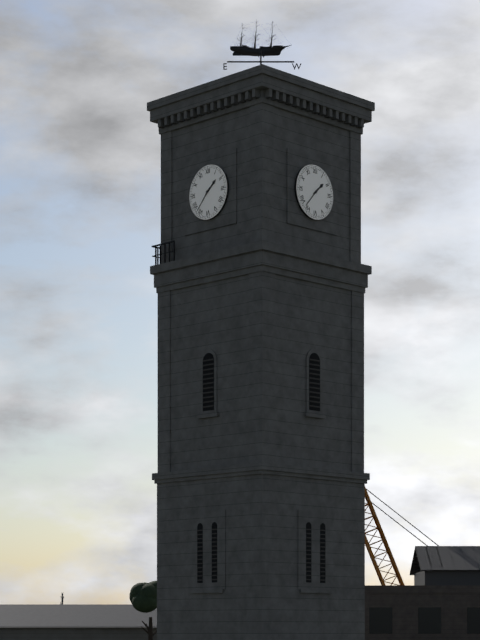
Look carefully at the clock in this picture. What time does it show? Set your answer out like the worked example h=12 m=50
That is h=1 m=37
